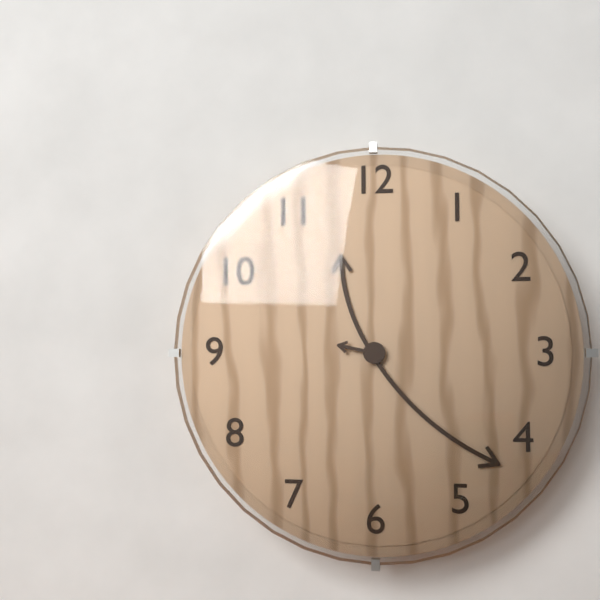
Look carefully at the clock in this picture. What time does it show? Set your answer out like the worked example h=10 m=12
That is h=11 m=22
